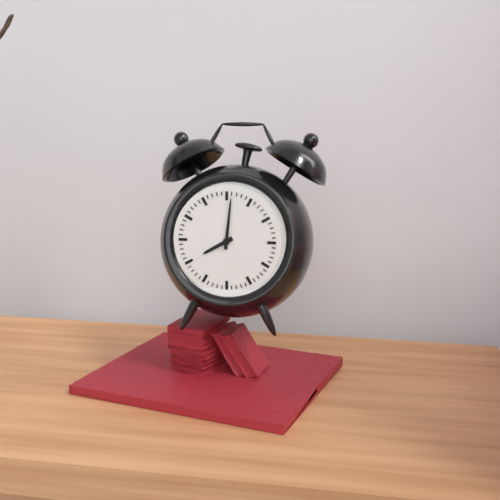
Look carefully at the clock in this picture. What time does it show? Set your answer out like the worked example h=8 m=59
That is h=8 m=1
